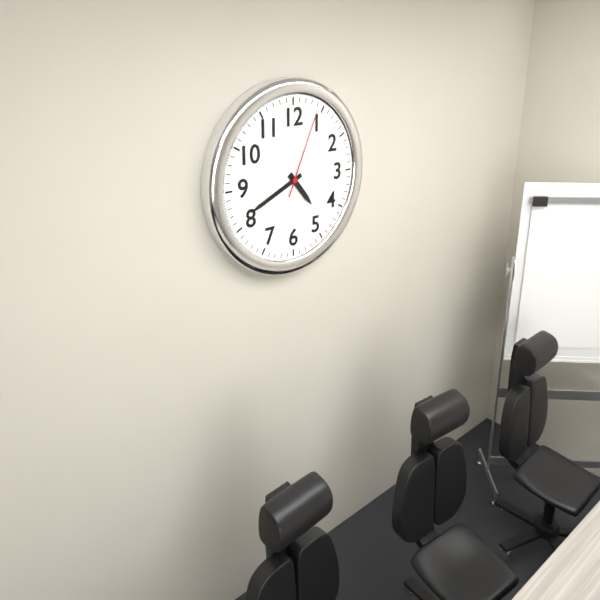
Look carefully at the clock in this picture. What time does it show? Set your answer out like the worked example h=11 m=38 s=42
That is h=4 m=41 s=4
